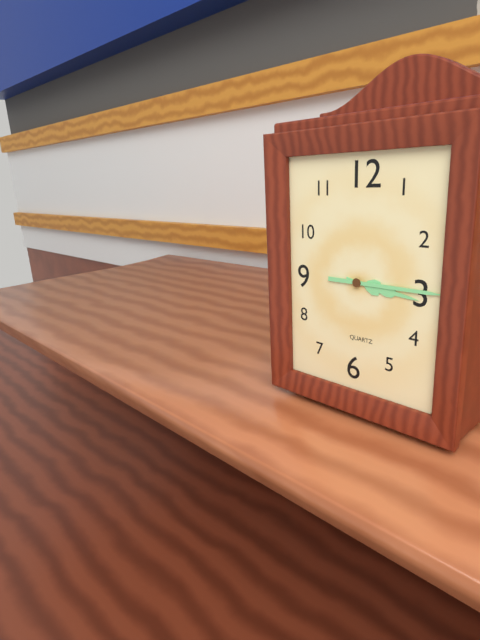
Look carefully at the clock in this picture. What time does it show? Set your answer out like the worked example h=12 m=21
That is h=3 m=15
